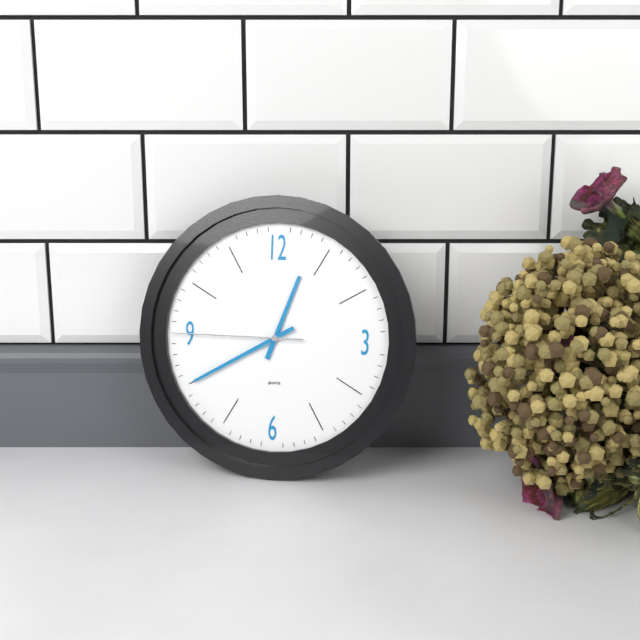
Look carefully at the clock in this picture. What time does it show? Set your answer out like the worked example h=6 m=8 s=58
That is h=12 m=40 s=45
